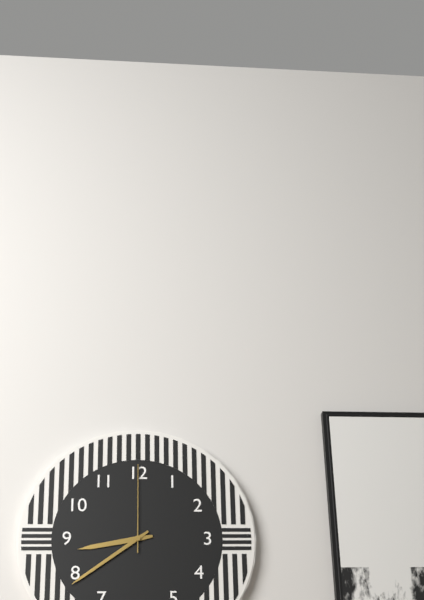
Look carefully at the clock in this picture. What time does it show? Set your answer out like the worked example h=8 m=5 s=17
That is h=8 m=39 s=0
